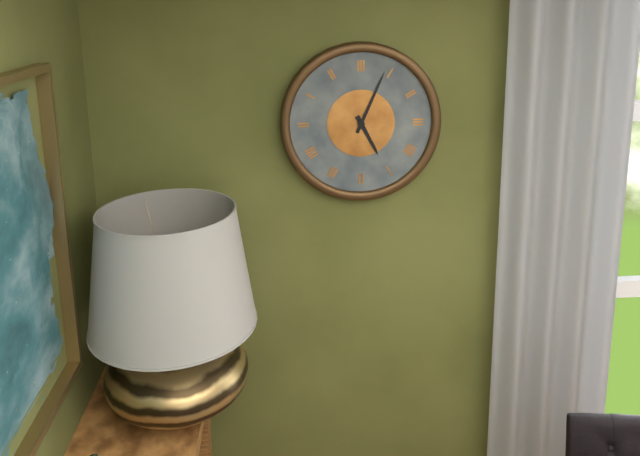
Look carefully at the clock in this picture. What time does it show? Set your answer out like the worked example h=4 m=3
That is h=5 m=4
